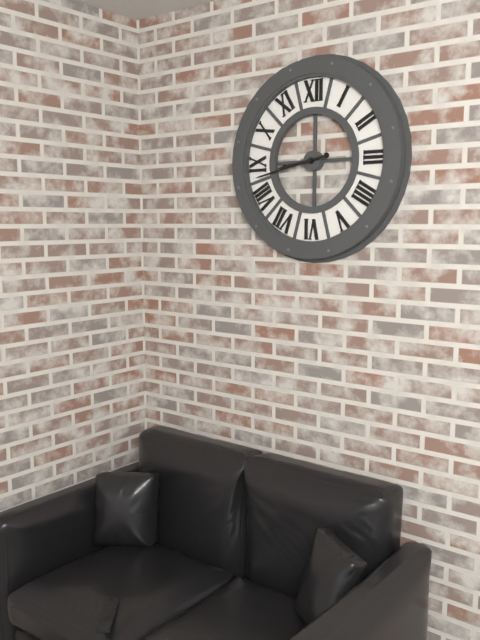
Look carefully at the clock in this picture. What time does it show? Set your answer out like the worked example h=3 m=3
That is h=8 m=43
